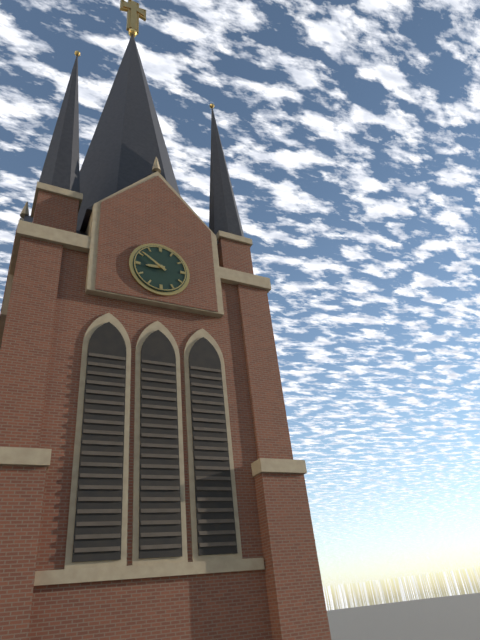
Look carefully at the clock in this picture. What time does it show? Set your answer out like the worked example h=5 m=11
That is h=8 m=51
